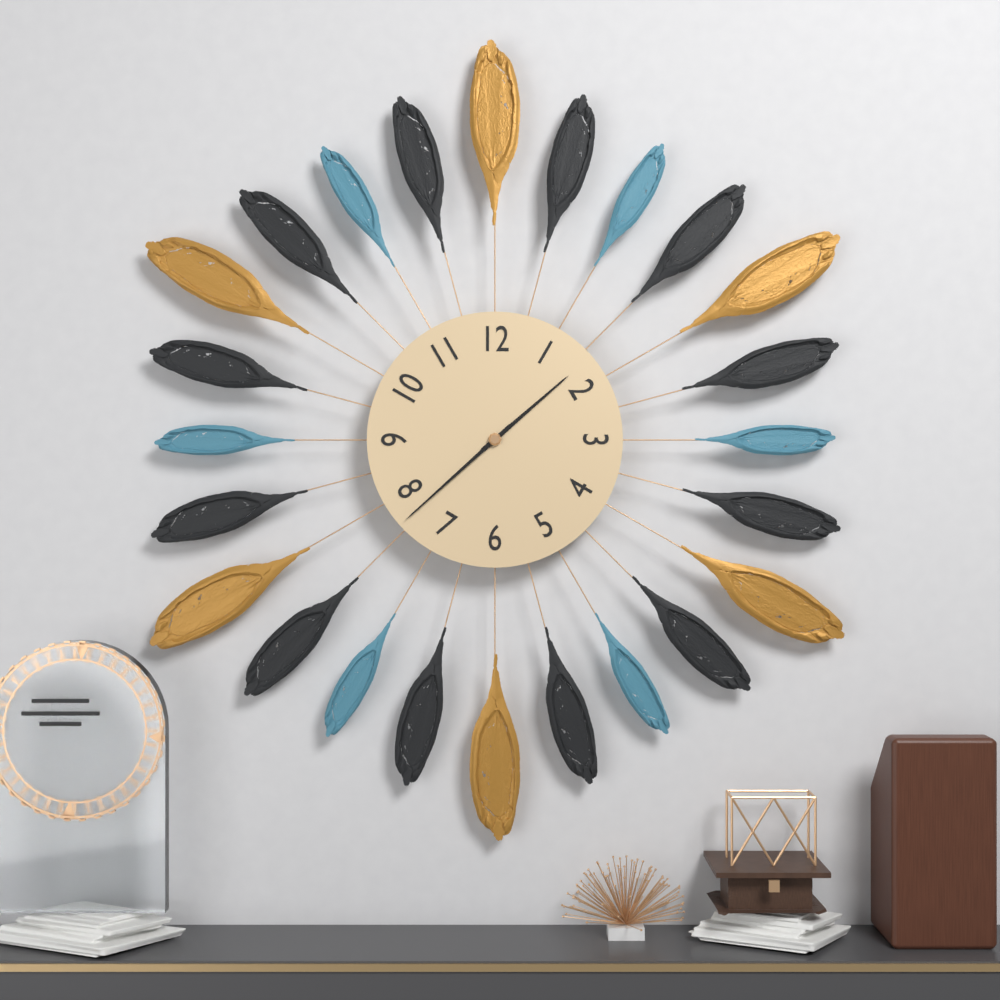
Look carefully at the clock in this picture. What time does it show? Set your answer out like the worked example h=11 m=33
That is h=1 m=38
